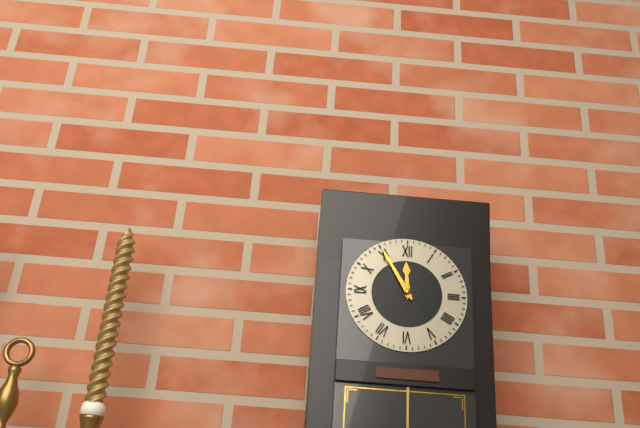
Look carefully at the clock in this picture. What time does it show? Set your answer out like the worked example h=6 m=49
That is h=11 m=55
